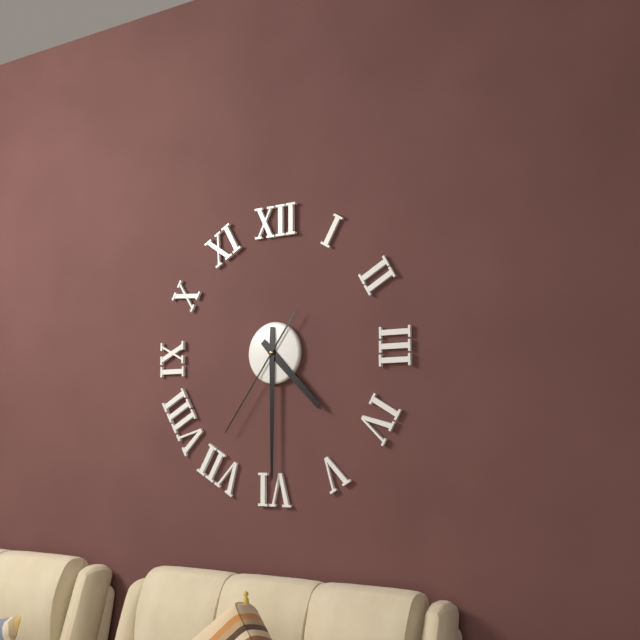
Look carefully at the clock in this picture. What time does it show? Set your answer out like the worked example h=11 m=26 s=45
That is h=4 m=30 s=36
